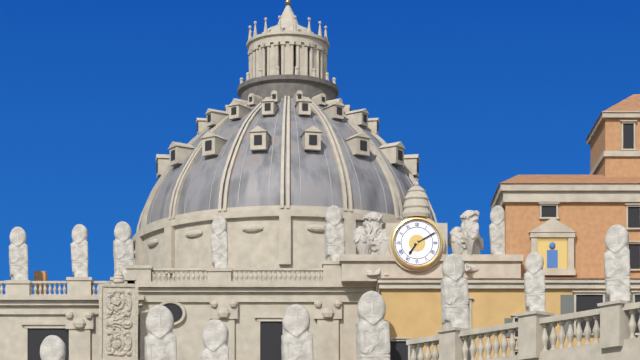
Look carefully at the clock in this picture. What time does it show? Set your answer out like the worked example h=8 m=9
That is h=7 m=10
